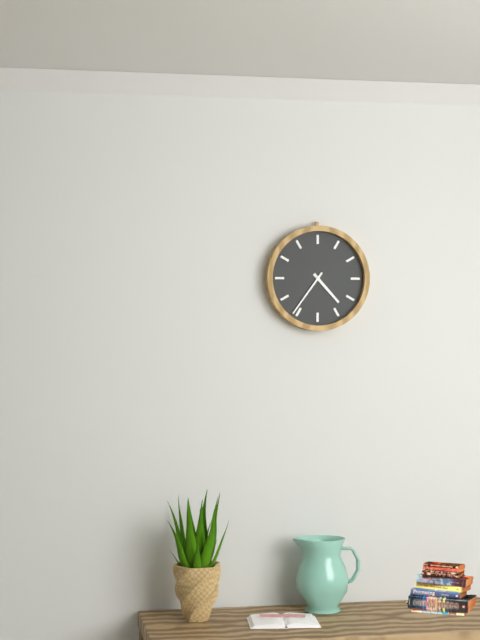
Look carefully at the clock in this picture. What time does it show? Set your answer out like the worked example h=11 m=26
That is h=4 m=36
